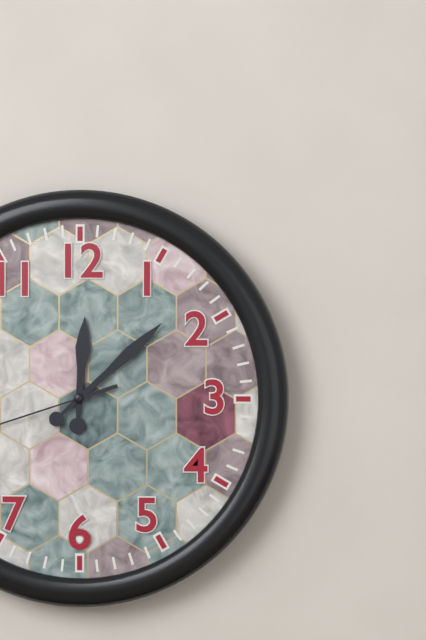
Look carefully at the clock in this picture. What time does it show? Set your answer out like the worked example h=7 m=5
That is h=12 m=8
